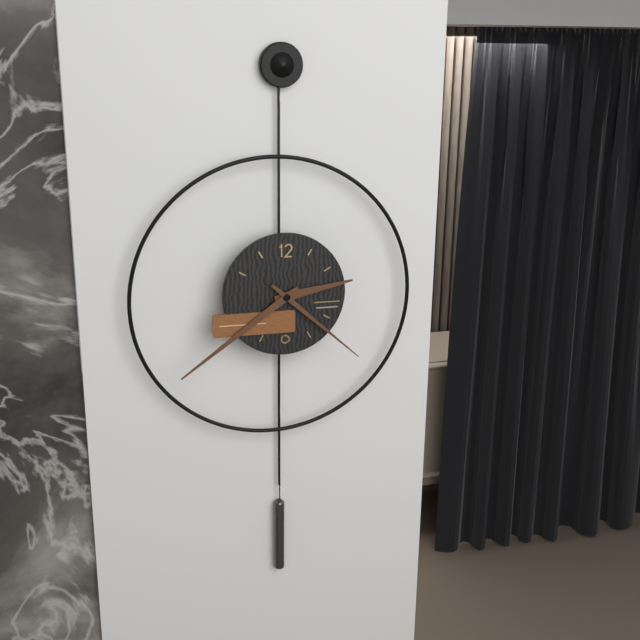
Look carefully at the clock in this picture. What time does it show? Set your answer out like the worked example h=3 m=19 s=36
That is h=2 m=39 s=22
